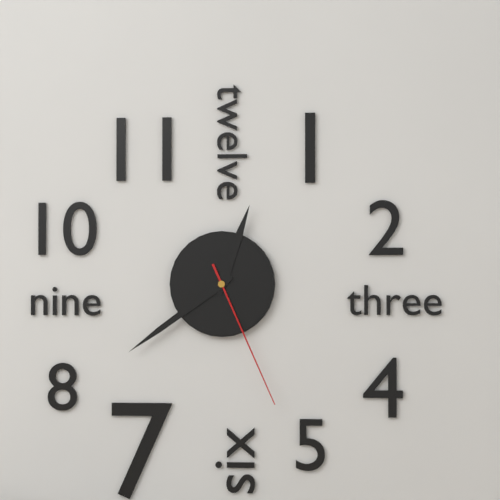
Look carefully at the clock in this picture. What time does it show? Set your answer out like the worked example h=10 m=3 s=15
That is h=12 m=39 s=26
